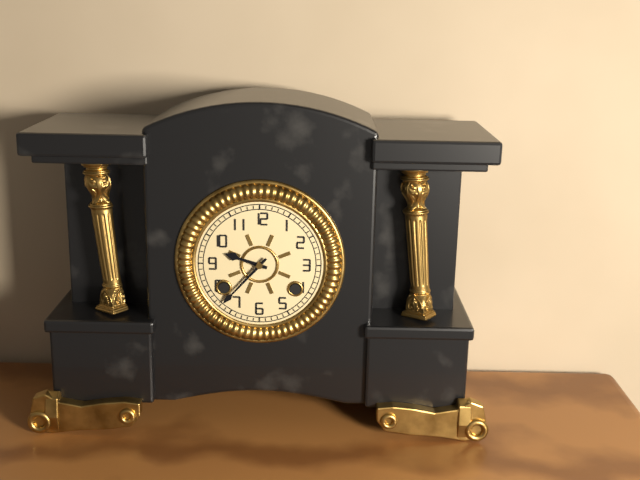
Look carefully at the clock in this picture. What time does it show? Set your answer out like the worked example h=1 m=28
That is h=9 m=37
